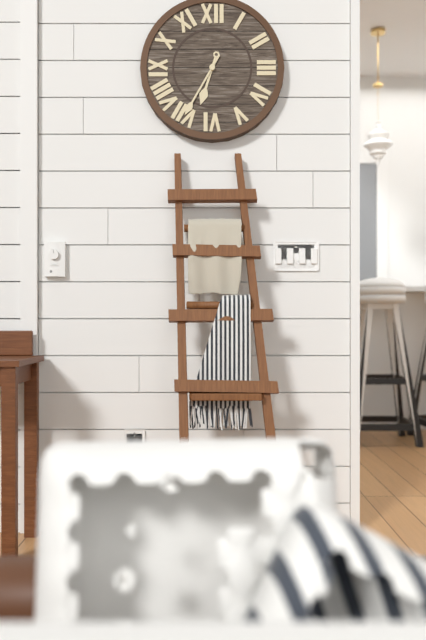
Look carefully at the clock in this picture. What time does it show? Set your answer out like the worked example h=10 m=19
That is h=6 m=35
